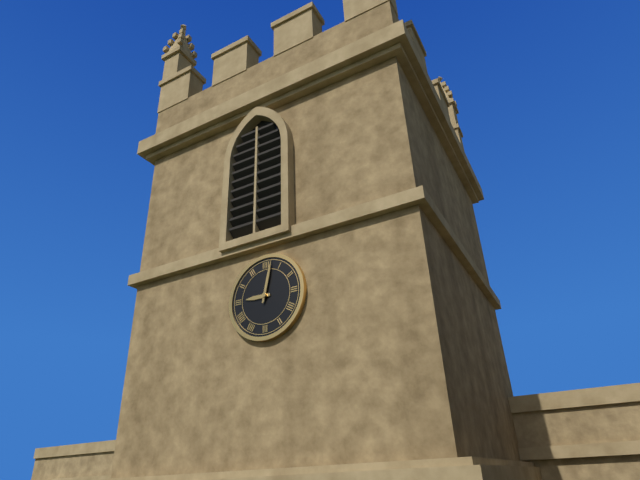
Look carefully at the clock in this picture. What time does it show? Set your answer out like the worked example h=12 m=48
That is h=9 m=2
